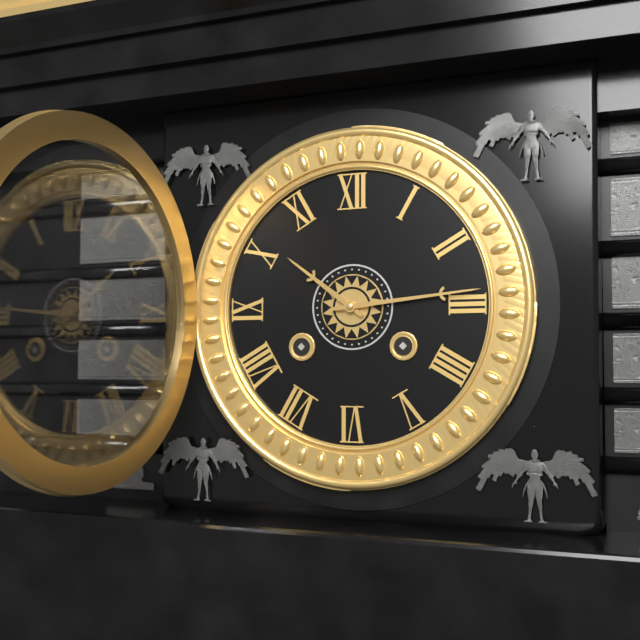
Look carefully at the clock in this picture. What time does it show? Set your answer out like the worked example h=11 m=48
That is h=10 m=14
